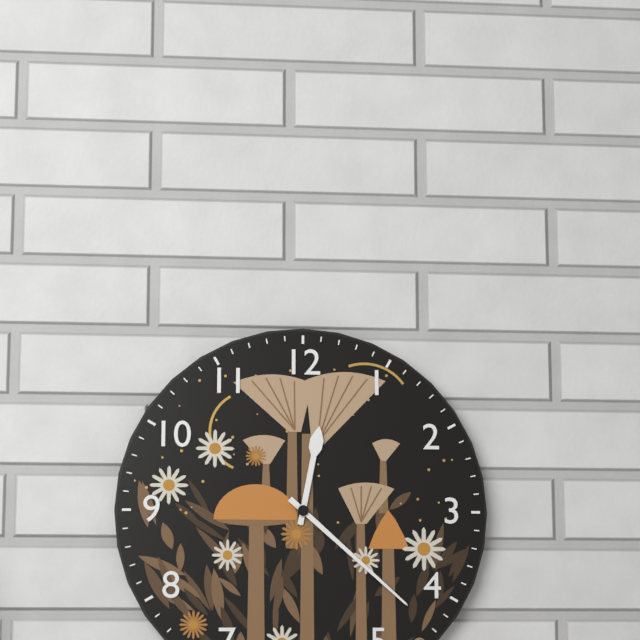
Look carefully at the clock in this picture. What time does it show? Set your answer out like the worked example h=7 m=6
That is h=12 m=22
